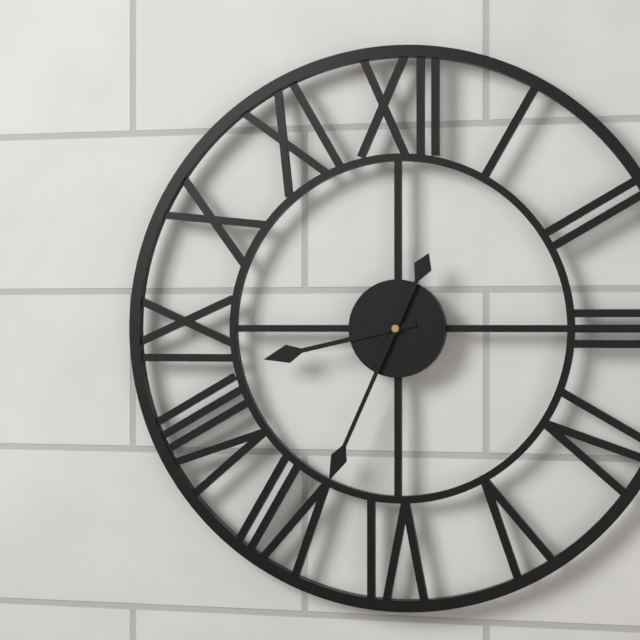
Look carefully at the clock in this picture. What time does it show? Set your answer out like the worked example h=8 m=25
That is h=8 m=34
